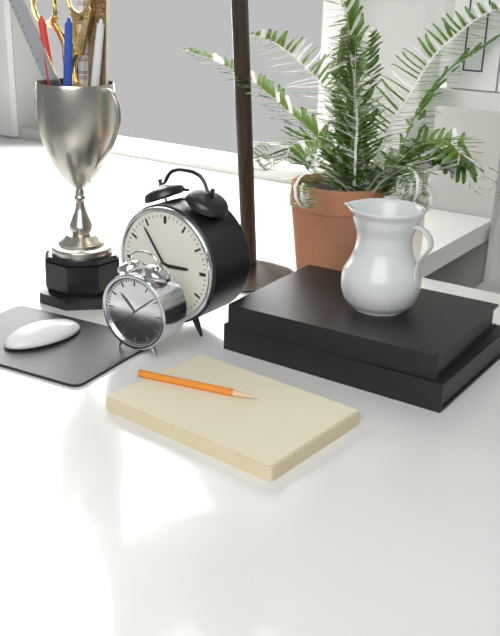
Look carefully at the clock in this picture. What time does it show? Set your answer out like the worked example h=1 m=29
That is h=2 m=54
